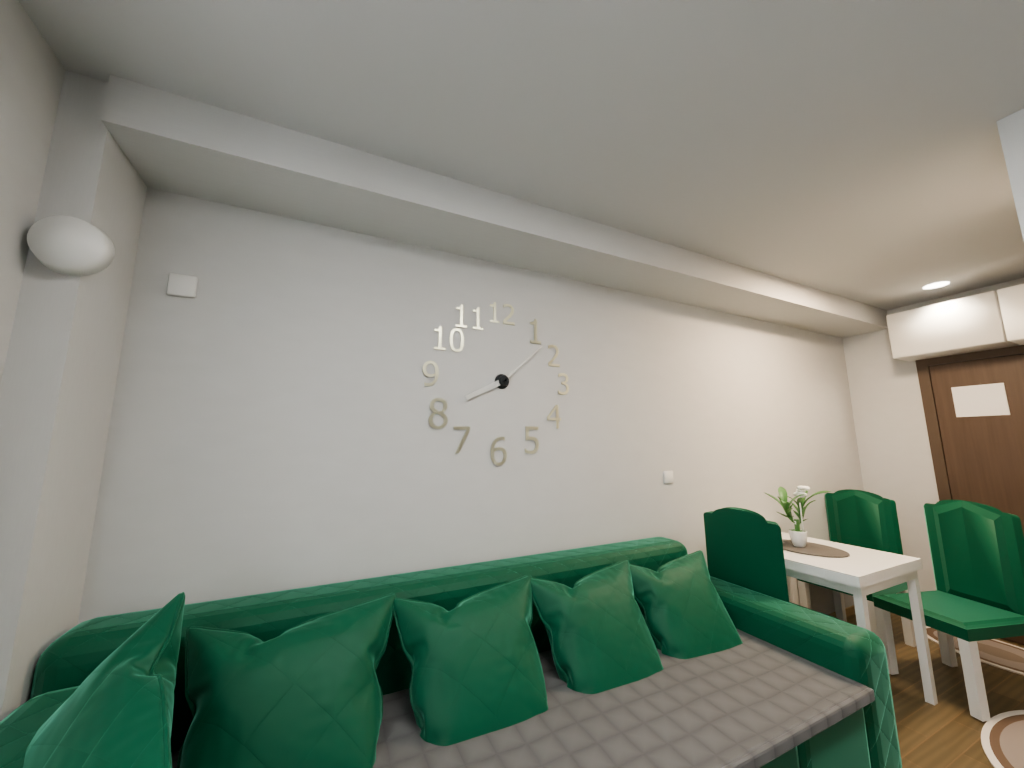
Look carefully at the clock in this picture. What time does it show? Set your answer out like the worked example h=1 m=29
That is h=8 m=8
